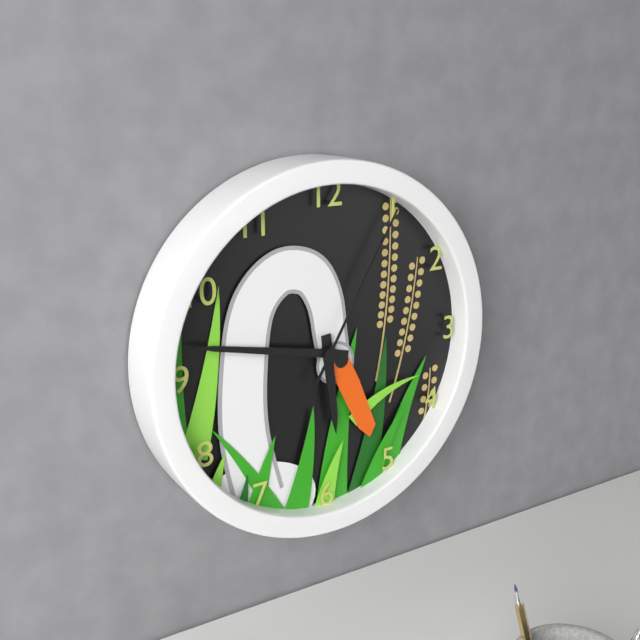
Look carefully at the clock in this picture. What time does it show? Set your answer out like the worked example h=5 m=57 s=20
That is h=5 m=47 s=5
